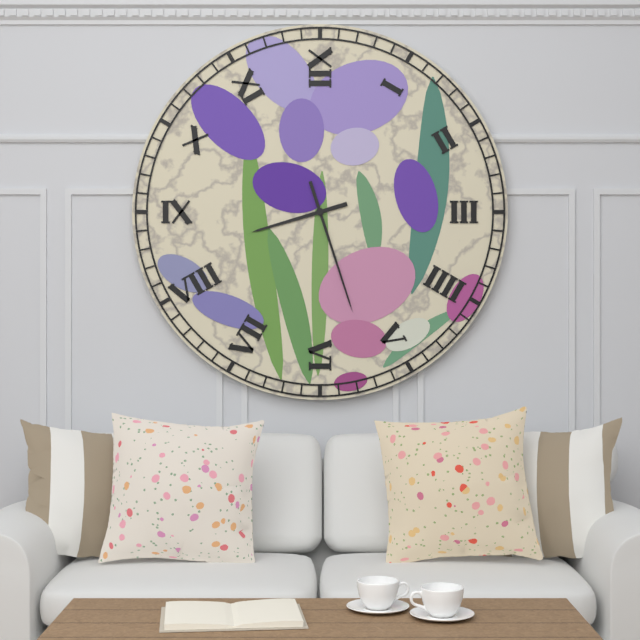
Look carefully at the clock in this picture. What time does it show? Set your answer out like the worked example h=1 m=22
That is h=8 m=27
